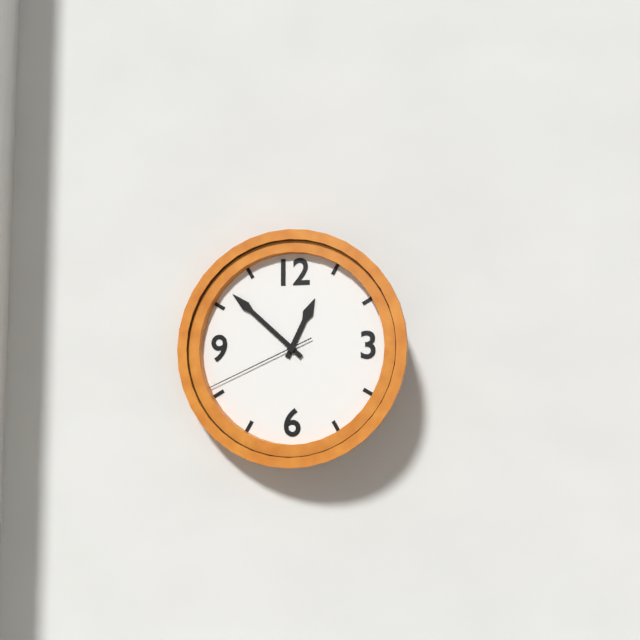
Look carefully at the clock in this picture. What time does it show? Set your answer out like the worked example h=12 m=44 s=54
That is h=12 m=52 s=41
